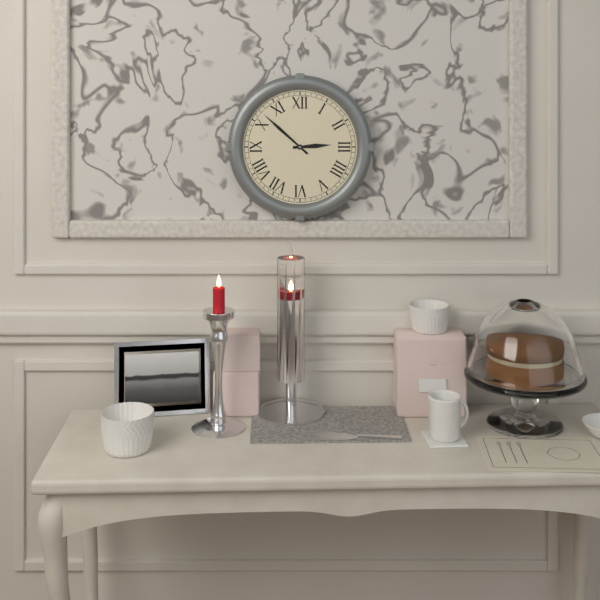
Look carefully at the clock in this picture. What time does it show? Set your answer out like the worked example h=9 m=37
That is h=2 m=52
